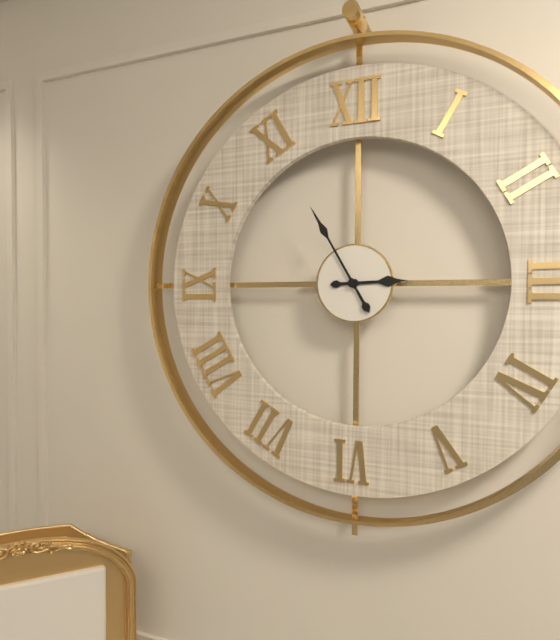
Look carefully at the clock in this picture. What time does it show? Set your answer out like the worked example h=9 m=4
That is h=2 m=55
